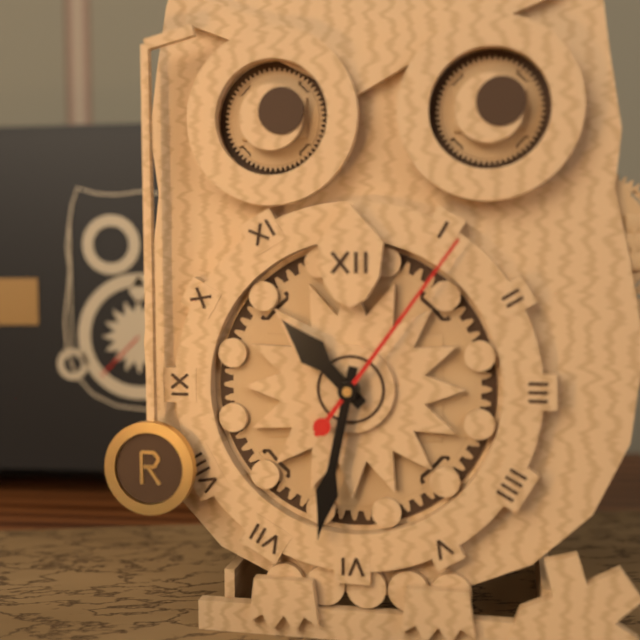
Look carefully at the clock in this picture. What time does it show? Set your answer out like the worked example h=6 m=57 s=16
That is h=10 m=32 s=6
